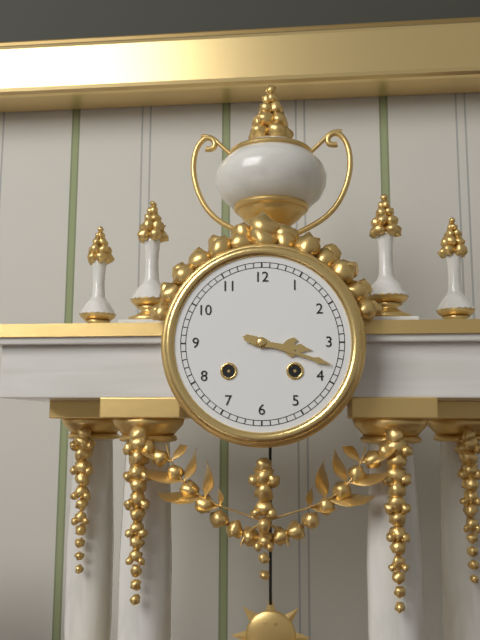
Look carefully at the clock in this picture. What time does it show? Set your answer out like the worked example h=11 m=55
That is h=3 m=18
